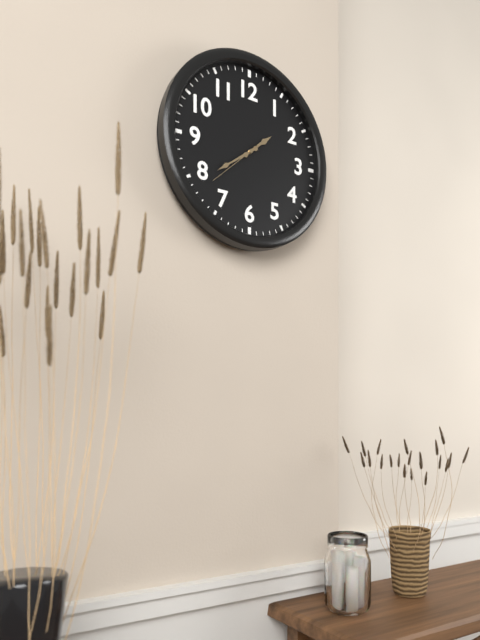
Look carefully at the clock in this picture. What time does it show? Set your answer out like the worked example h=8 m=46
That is h=1 m=39
